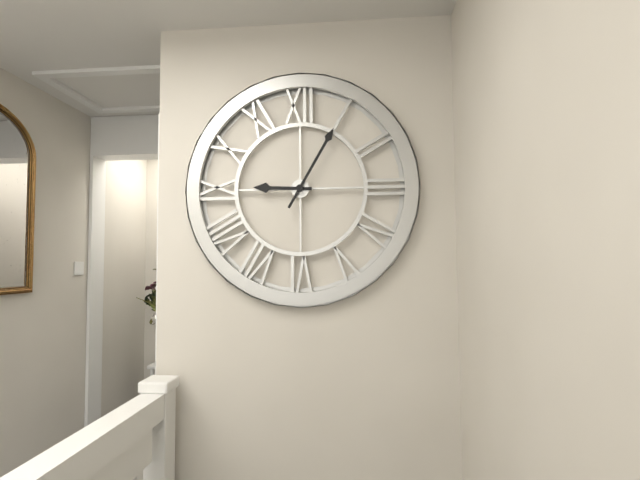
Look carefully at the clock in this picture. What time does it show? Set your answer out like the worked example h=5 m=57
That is h=9 m=5
